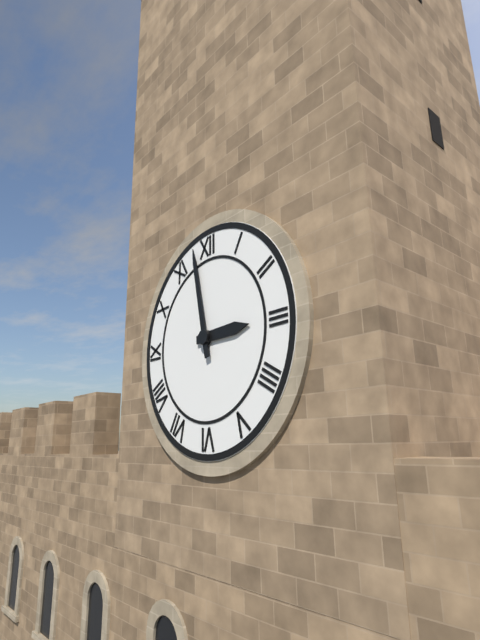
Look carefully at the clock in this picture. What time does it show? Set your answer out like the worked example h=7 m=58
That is h=2 m=58
